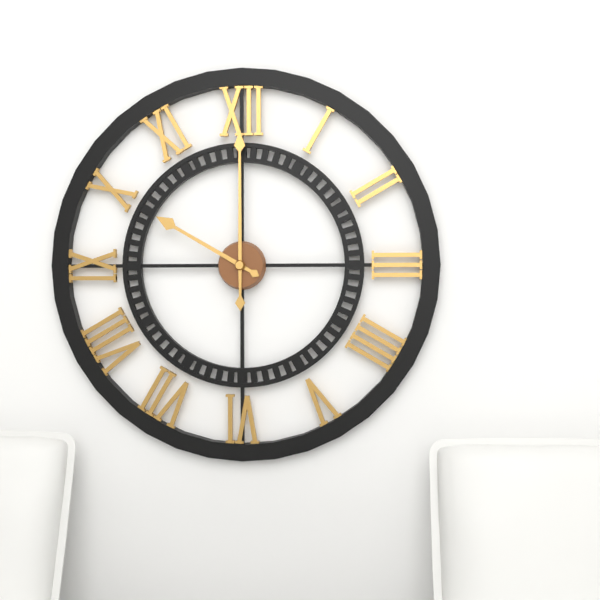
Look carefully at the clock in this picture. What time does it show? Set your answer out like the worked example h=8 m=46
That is h=10 m=0
